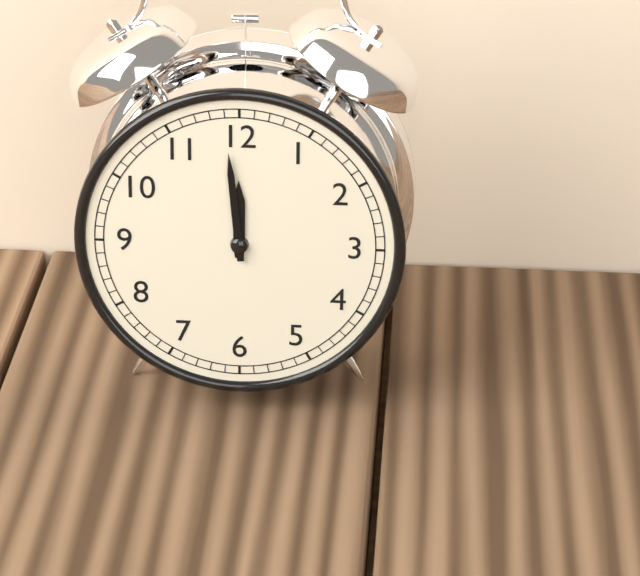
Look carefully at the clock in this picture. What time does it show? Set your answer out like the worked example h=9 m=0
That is h=11 m=59
